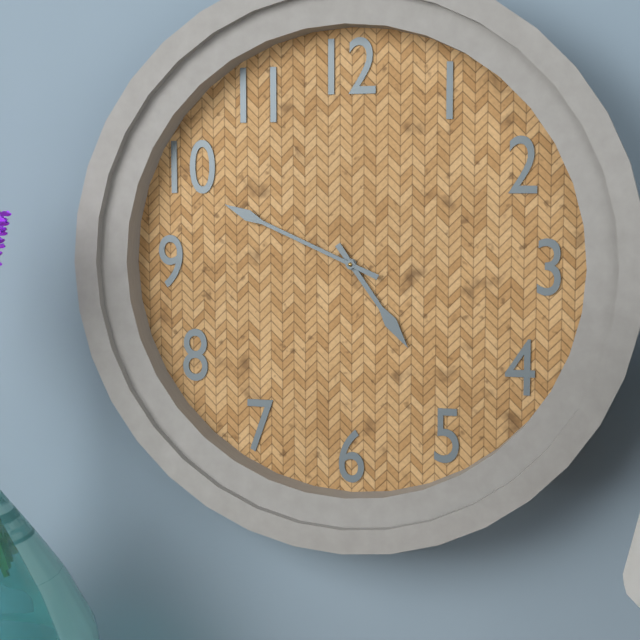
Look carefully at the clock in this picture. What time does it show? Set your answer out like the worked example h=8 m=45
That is h=4 m=49
